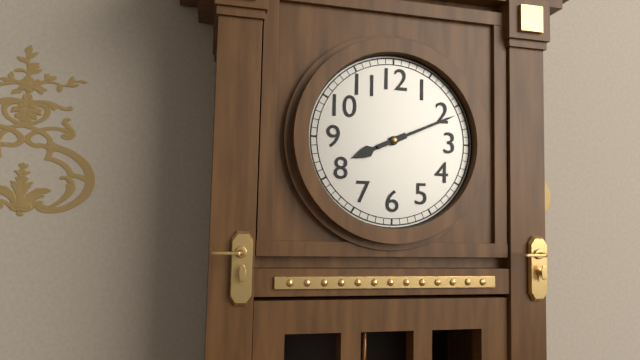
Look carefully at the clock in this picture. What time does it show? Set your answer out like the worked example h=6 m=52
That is h=8 m=11
